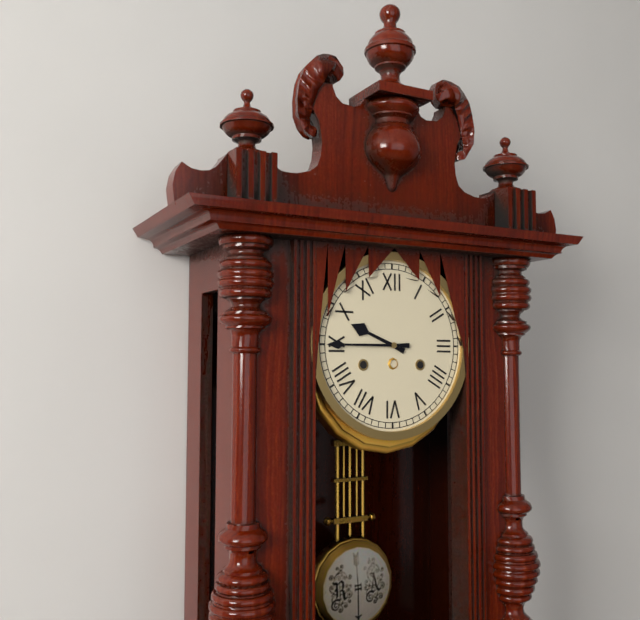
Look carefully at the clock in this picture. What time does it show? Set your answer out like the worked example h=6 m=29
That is h=9 m=45
